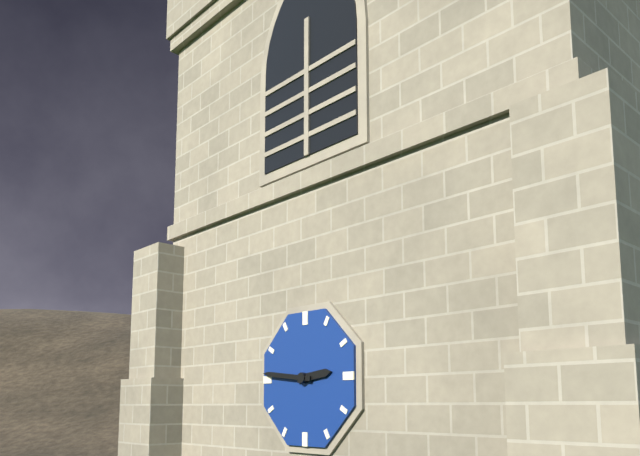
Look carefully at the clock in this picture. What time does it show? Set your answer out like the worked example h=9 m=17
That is h=2 m=46
